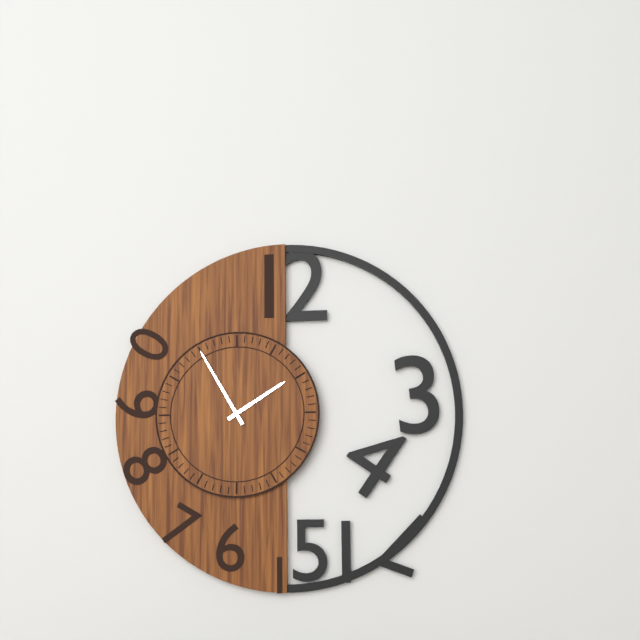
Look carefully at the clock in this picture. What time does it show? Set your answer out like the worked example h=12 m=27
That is h=1 m=55
